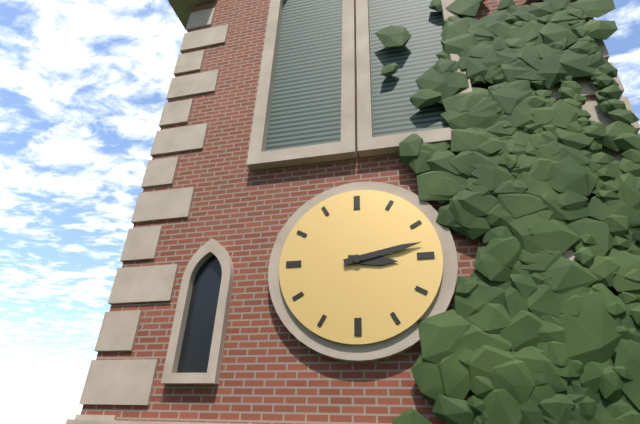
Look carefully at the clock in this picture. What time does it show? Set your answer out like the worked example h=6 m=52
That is h=3 m=13
